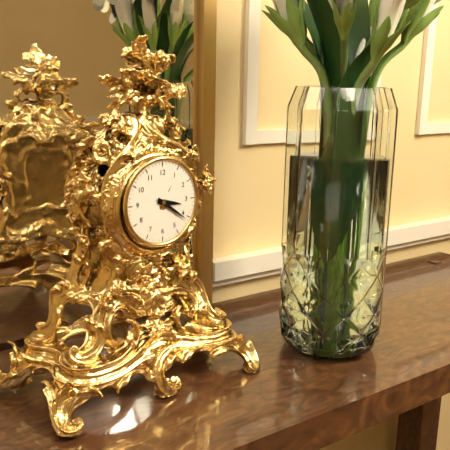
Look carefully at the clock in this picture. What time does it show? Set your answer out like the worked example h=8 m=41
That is h=3 m=21
